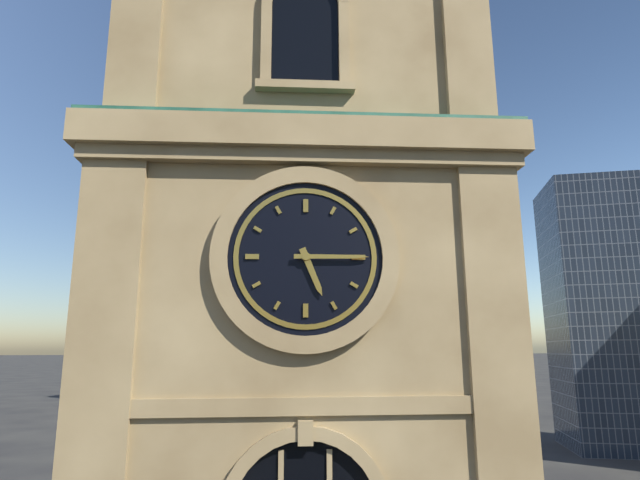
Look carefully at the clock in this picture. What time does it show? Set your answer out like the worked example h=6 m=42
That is h=5 m=15
